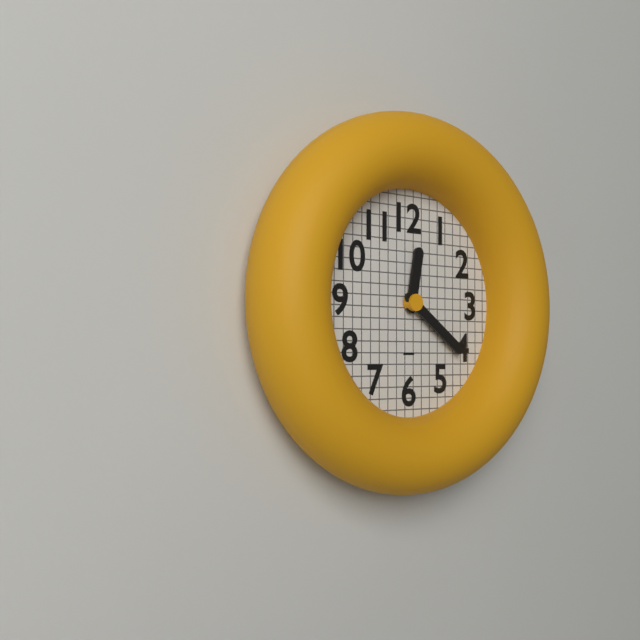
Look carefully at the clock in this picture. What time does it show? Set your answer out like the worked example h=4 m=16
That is h=12 m=21
